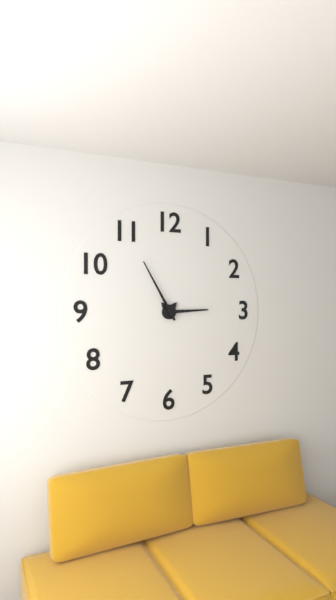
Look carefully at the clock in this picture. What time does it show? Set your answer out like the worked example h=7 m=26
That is h=2 m=55
